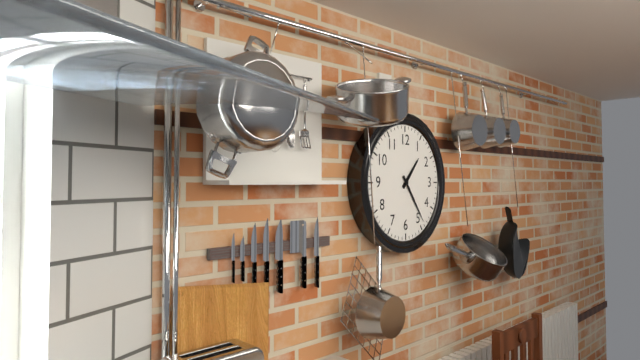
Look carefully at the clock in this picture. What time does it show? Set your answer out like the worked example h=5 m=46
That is h=1 m=24
